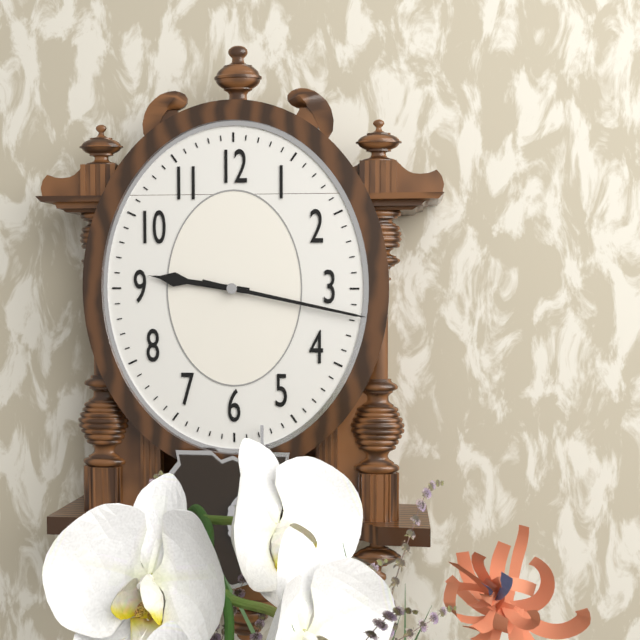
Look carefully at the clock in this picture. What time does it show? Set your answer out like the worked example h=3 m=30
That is h=9 m=17
